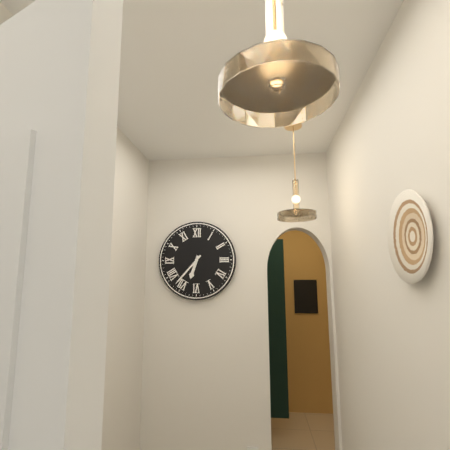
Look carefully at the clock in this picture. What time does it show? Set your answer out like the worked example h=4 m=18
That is h=6 m=37
